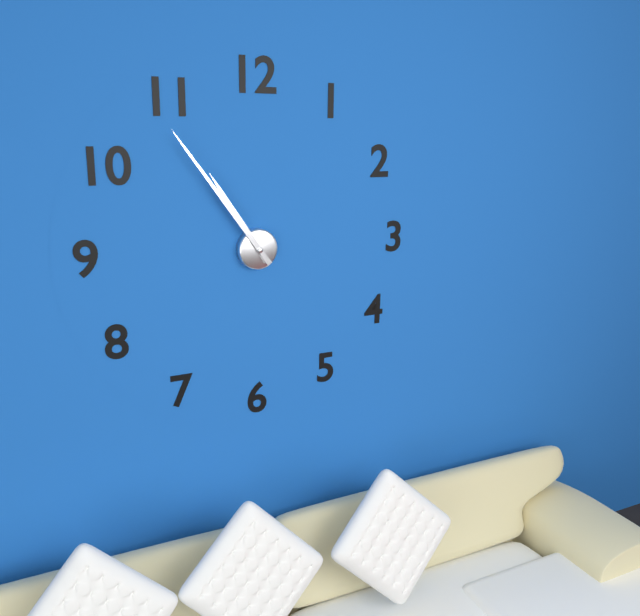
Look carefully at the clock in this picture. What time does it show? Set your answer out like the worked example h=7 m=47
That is h=10 m=54
